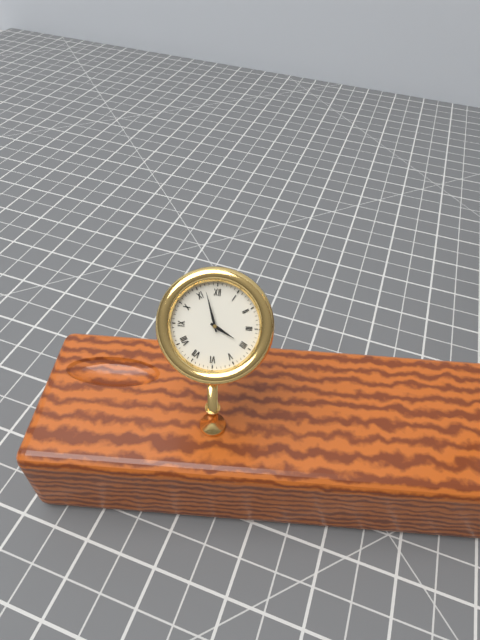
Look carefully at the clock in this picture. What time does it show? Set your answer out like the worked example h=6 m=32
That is h=3 m=57
